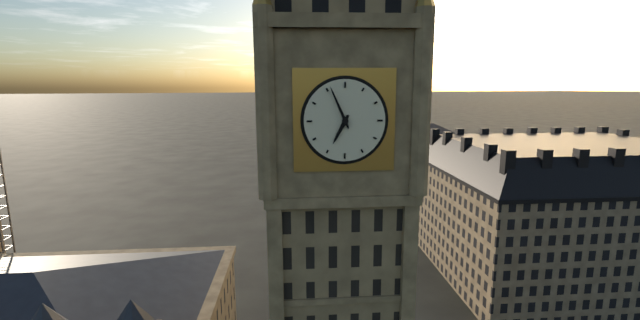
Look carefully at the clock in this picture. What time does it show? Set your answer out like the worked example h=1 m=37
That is h=6 m=56
